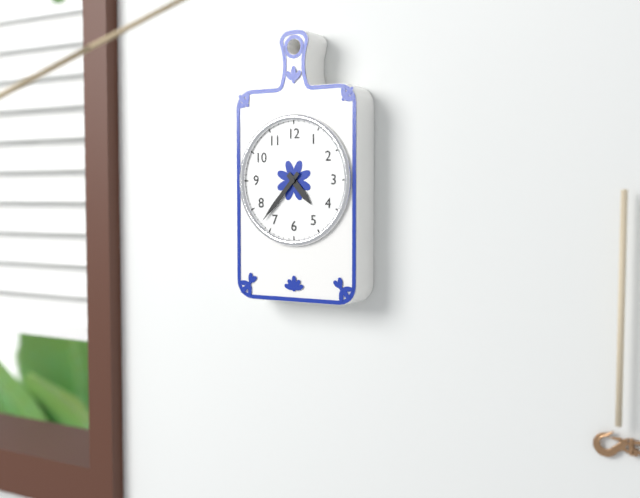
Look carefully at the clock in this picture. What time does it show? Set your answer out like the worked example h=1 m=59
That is h=4 m=37
